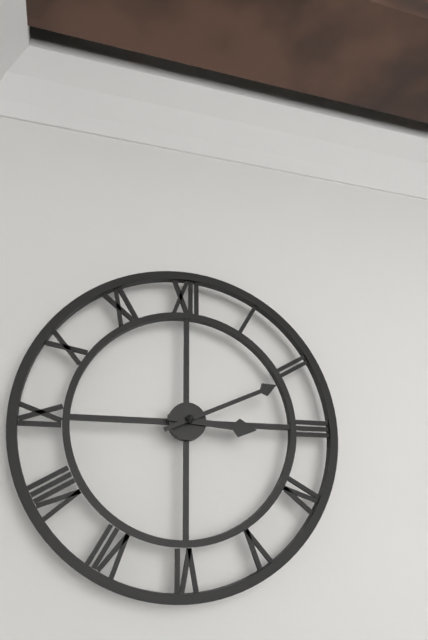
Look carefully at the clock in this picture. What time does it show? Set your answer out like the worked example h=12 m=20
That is h=3 m=11
